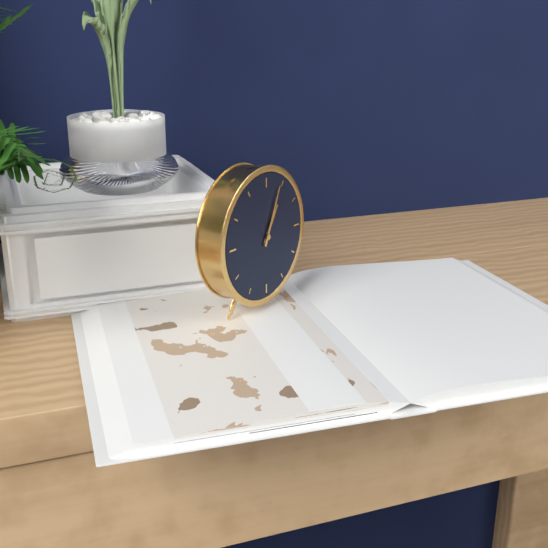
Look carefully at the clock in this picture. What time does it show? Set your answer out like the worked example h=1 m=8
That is h=1 m=4
